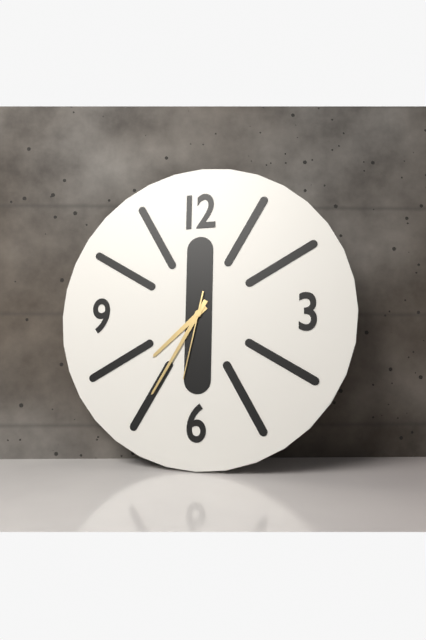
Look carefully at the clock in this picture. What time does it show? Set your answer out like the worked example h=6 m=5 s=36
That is h=7 m=35 s=32
